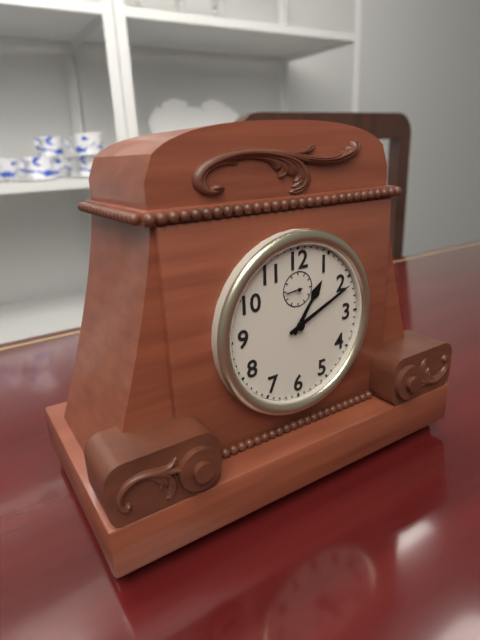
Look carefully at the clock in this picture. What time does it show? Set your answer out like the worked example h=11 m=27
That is h=1 m=11
